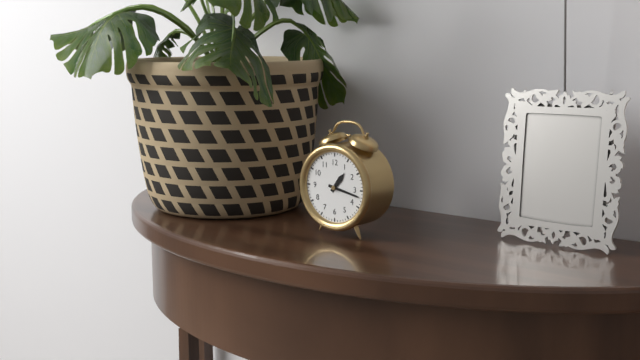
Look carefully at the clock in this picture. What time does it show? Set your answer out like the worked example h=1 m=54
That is h=1 m=17
